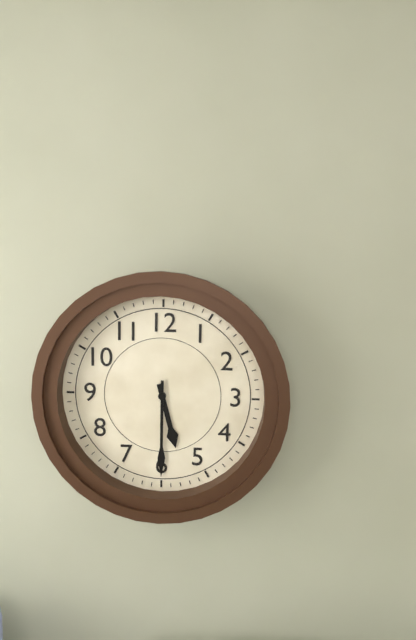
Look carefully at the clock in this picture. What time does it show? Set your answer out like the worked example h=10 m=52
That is h=5 m=30
